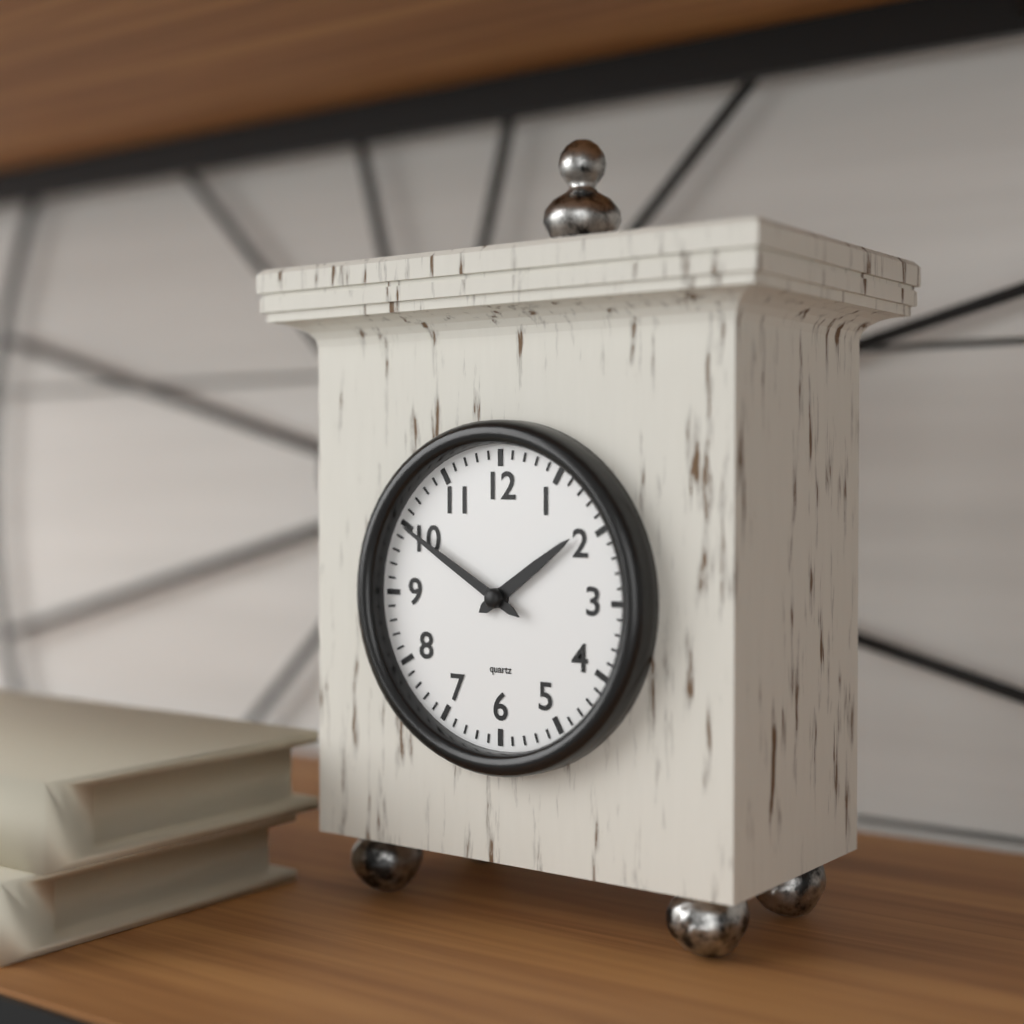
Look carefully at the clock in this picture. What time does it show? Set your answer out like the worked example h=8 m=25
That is h=1 m=50
